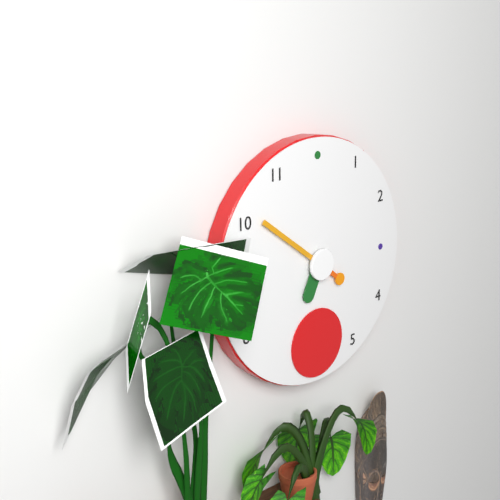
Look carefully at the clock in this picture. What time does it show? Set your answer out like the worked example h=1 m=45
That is h=6 m=51
